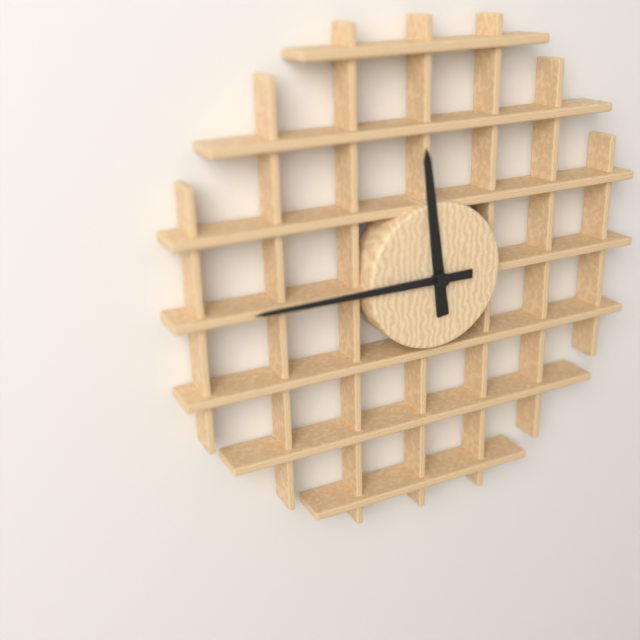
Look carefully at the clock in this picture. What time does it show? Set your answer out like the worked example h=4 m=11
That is h=11 m=45
